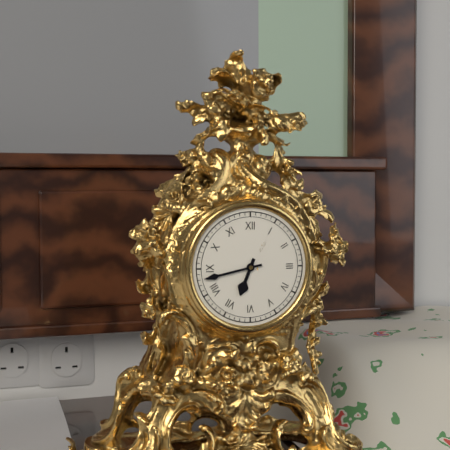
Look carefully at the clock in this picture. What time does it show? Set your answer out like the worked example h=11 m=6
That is h=6 m=43
